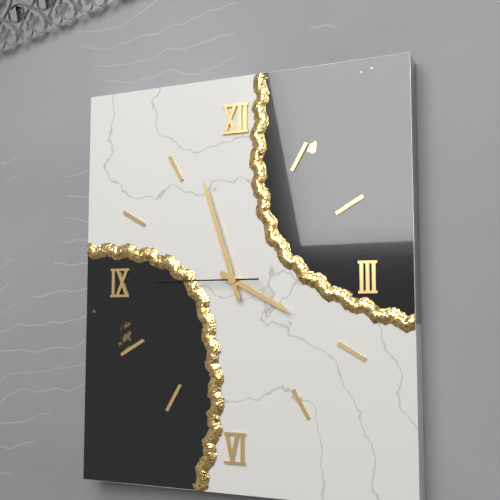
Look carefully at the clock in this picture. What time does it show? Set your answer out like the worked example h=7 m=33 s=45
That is h=3 m=57 s=45
